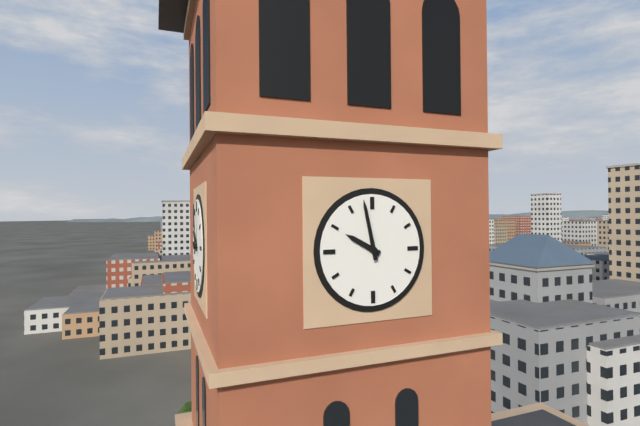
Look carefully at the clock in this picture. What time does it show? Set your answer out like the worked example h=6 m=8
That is h=9 m=58
